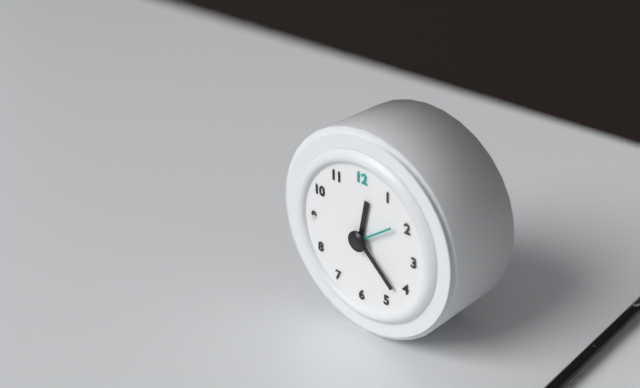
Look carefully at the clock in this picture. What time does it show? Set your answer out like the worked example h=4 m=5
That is h=12 m=22
